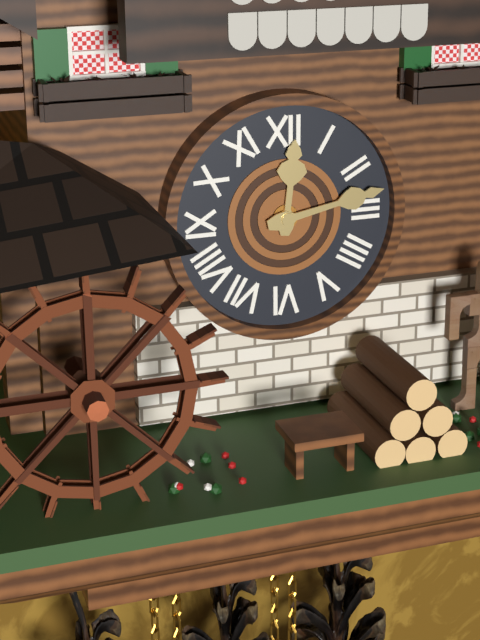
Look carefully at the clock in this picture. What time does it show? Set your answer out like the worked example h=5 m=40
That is h=12 m=13
